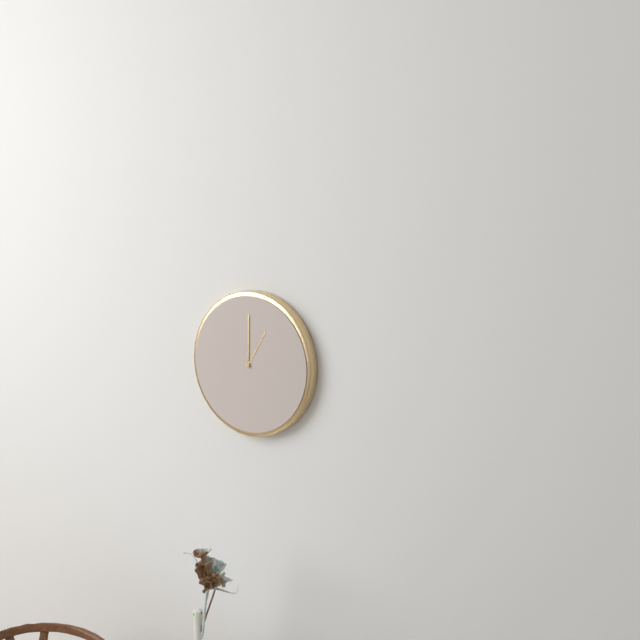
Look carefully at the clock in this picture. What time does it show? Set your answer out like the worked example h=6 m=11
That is h=1 m=0
